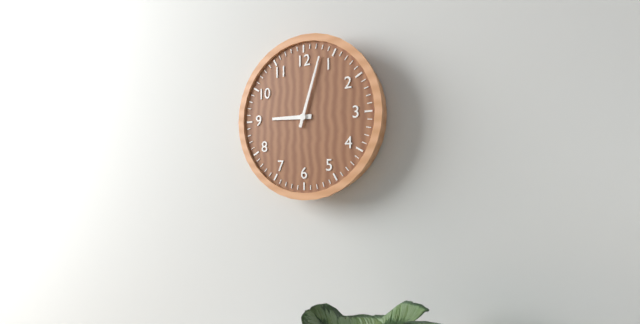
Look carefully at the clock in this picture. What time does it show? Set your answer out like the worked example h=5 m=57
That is h=9 m=3
